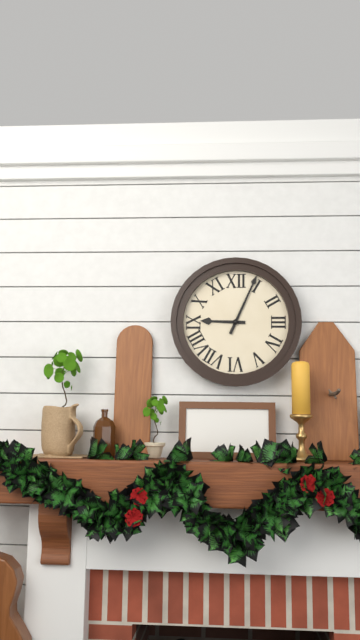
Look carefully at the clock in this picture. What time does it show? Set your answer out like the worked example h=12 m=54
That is h=9 m=4
